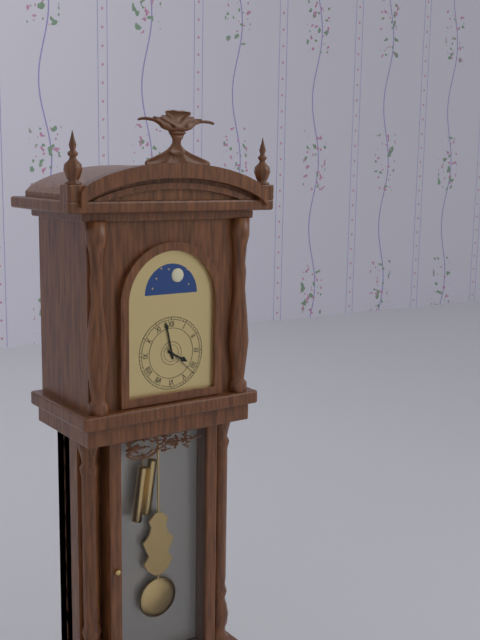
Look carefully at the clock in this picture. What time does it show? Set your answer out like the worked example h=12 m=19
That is h=3 m=58
